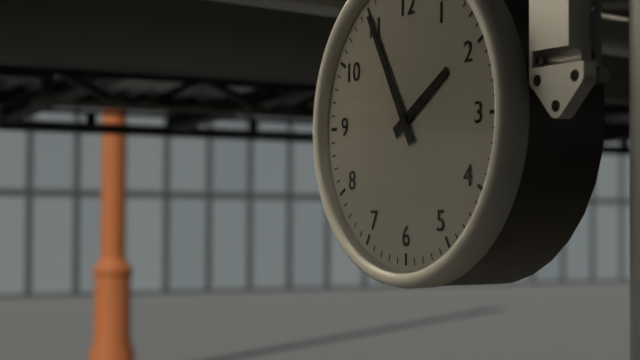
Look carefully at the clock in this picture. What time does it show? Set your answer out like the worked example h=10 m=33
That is h=1 m=55
